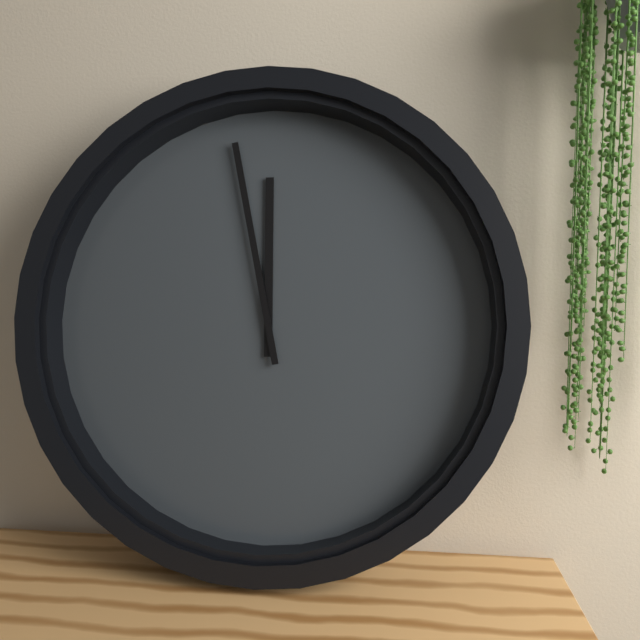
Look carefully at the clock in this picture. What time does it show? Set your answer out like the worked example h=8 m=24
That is h=11 m=58
